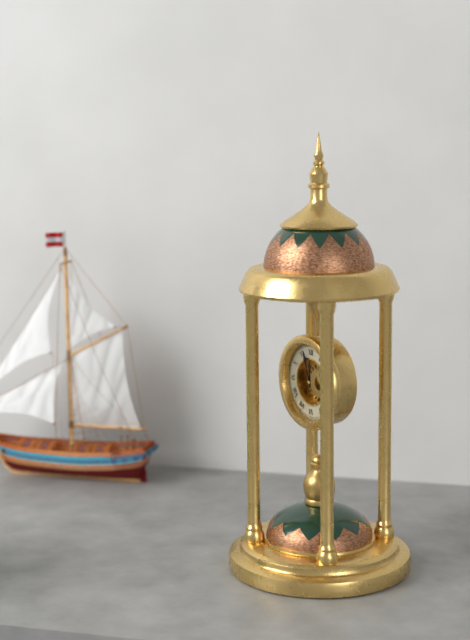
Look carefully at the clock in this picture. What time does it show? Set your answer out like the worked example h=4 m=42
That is h=11 m=57
